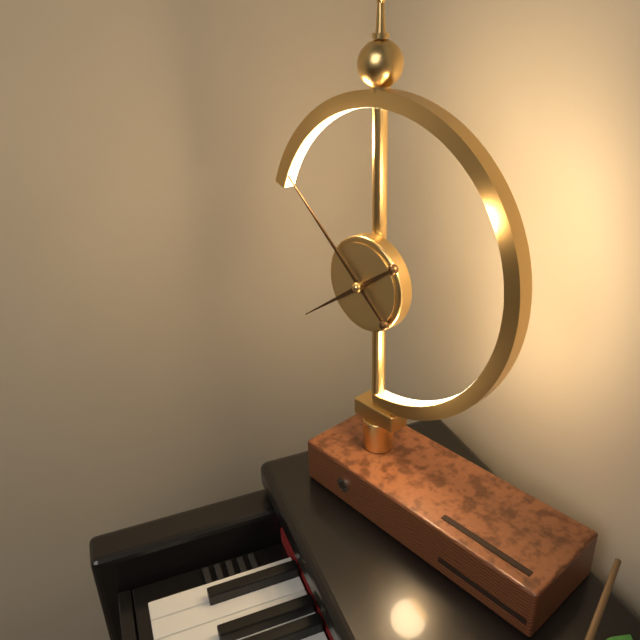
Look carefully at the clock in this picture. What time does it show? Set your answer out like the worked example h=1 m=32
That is h=7 m=52
